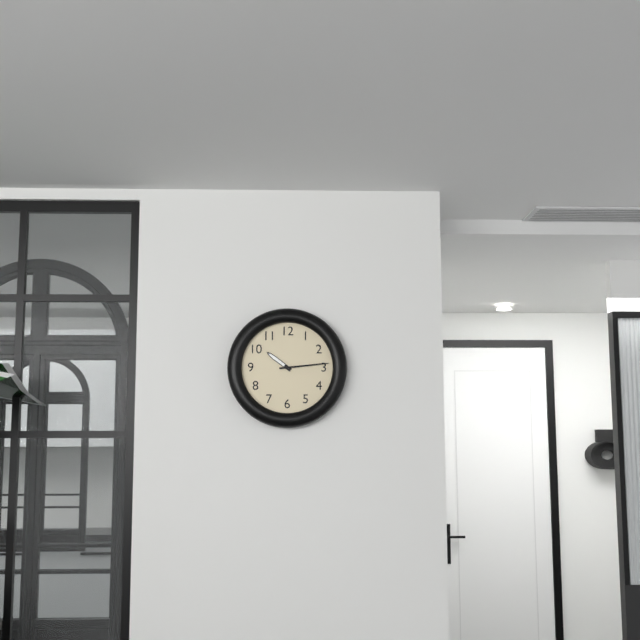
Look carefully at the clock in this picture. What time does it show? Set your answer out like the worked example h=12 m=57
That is h=10 m=14
